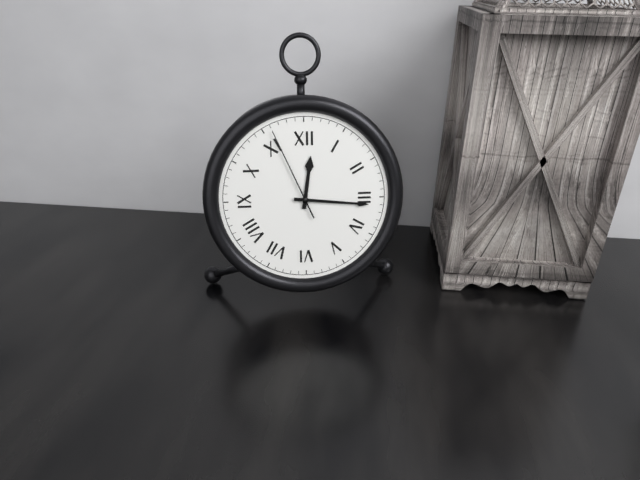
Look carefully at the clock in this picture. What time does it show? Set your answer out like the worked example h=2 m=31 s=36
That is h=12 m=16 s=56
